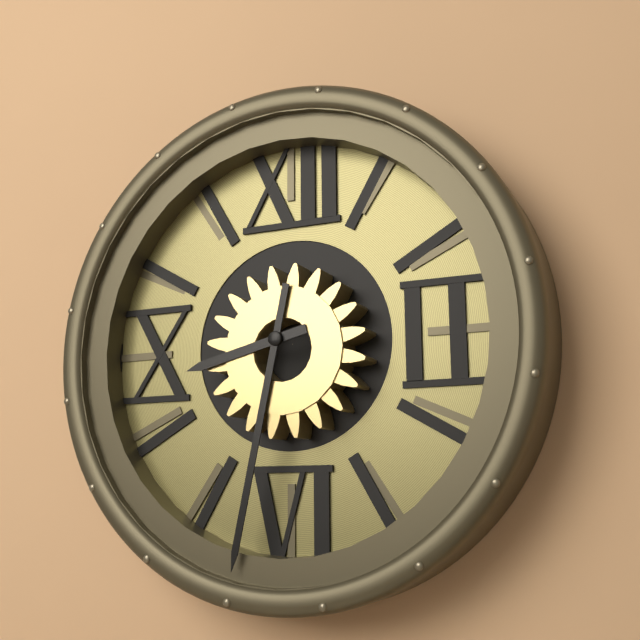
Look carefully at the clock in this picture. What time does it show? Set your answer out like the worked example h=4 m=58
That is h=8 m=32
